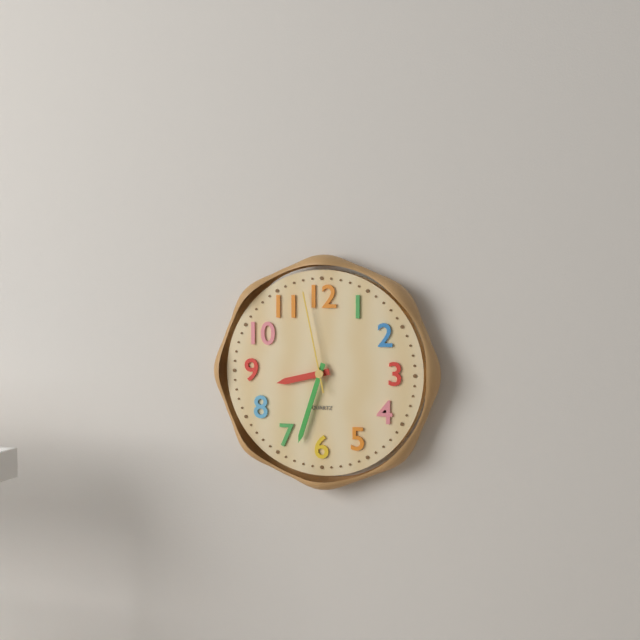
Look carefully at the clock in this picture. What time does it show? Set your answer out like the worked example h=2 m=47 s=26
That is h=8 m=33 s=58
